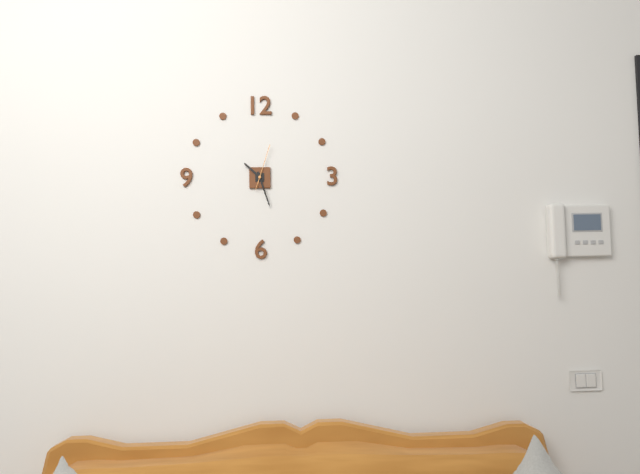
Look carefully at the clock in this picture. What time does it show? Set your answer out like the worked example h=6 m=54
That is h=10 m=27
